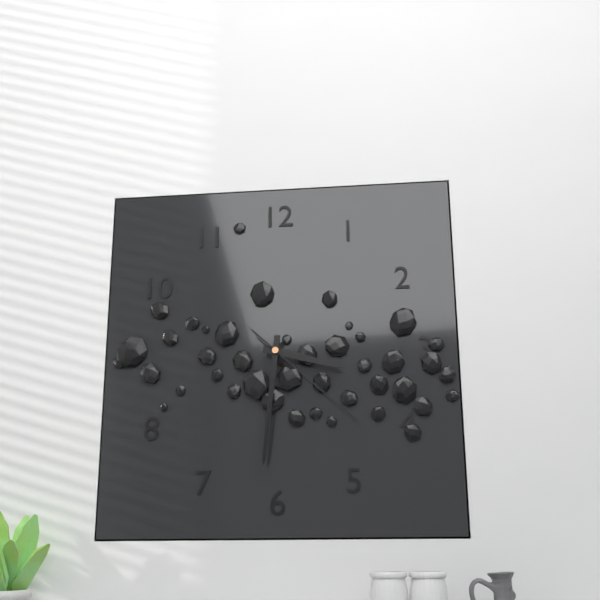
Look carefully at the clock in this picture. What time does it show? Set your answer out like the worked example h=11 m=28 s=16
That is h=3 m=31 s=22
